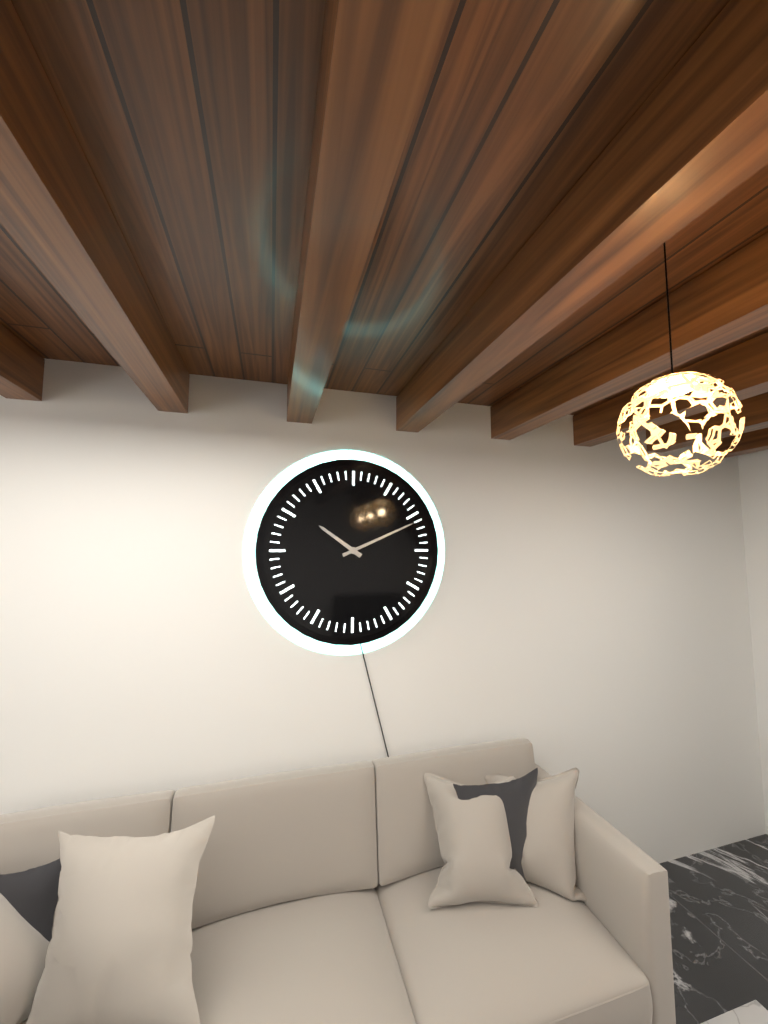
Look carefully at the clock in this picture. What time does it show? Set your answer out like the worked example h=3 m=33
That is h=10 m=11
